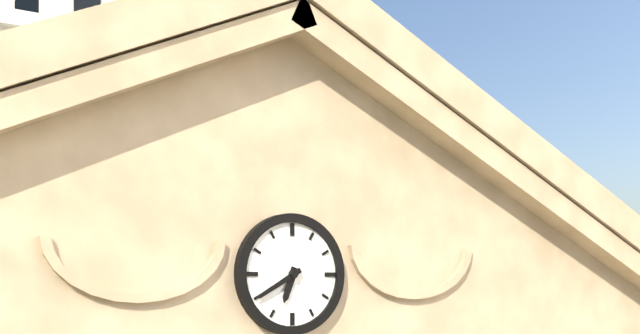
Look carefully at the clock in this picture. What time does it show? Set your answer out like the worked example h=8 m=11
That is h=6 m=40
